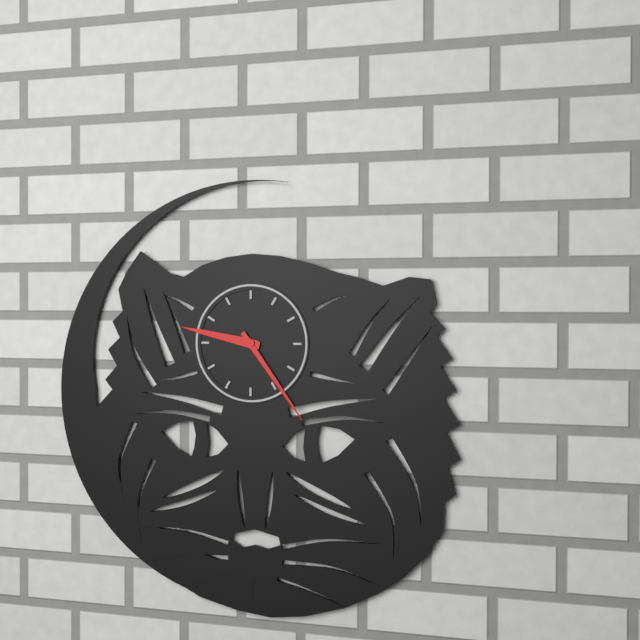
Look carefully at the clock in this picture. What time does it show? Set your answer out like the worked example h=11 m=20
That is h=9 m=24
